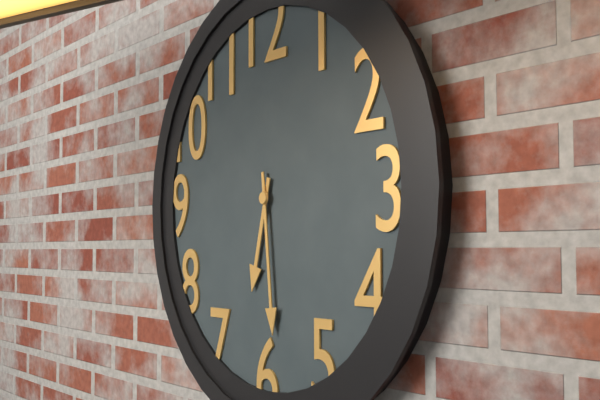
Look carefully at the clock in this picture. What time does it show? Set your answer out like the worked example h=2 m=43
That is h=6 m=29
